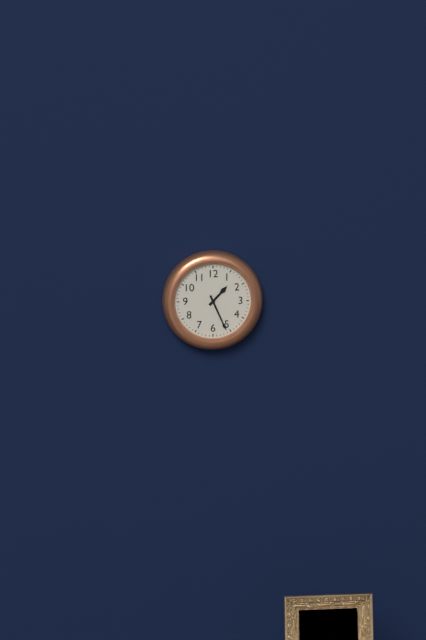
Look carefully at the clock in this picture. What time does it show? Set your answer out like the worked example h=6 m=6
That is h=1 m=26
